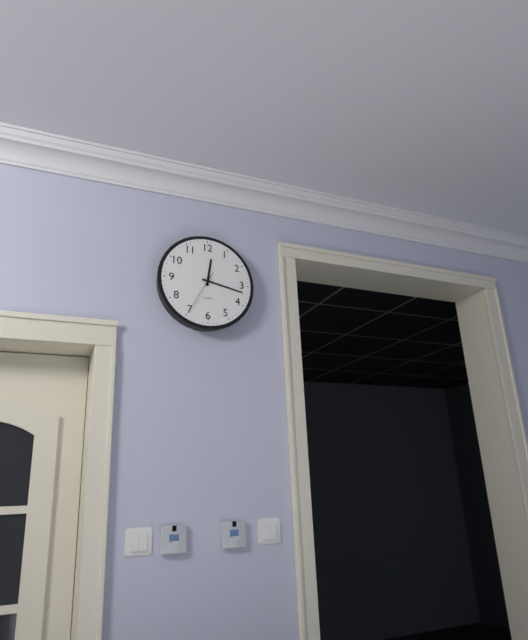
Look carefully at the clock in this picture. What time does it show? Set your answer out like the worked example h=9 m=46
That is h=12 m=17
